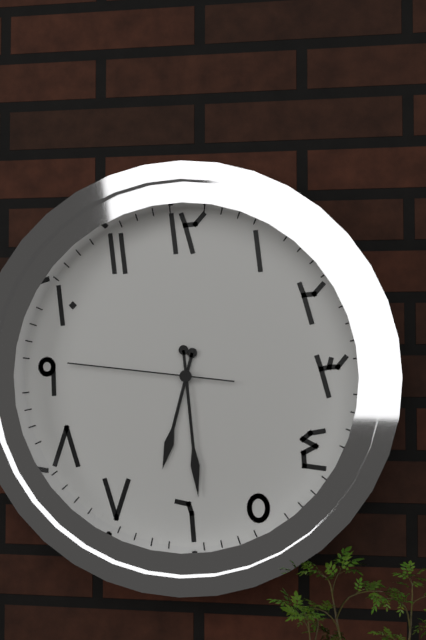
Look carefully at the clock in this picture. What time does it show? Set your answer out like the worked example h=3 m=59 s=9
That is h=6 m=29 s=46
